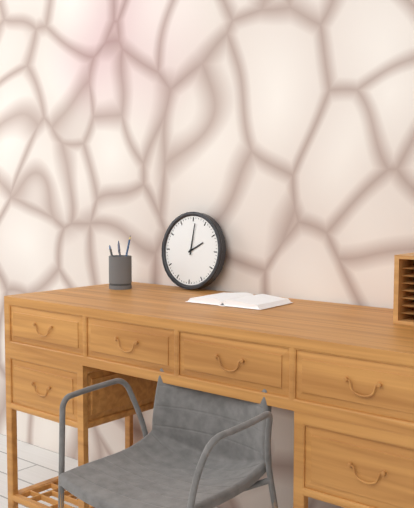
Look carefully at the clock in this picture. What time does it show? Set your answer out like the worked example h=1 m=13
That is h=2 m=1
